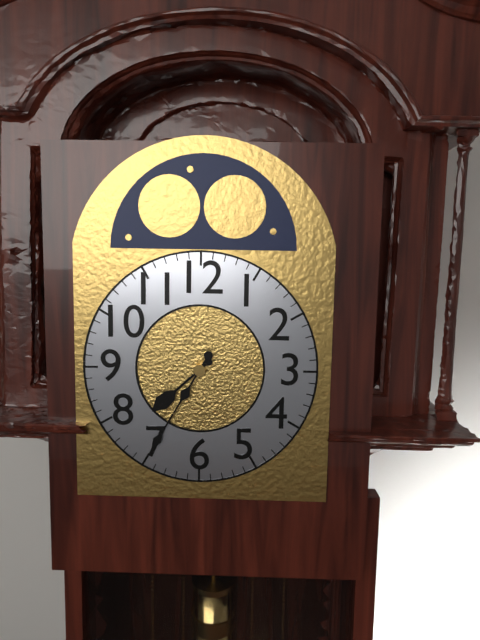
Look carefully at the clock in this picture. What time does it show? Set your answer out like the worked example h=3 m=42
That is h=7 m=35
